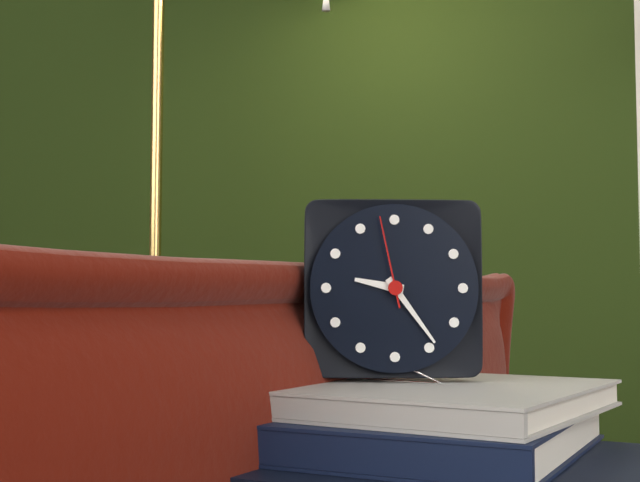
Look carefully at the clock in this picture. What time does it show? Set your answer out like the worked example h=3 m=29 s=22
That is h=9 m=24 s=58
